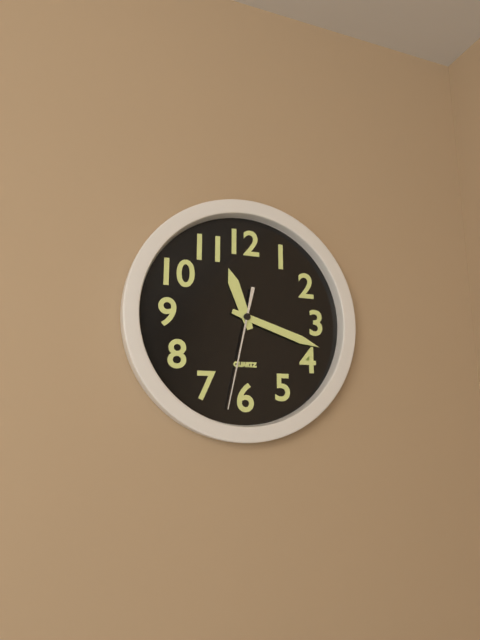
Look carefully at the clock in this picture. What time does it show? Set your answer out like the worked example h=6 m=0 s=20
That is h=11 m=18 s=32
